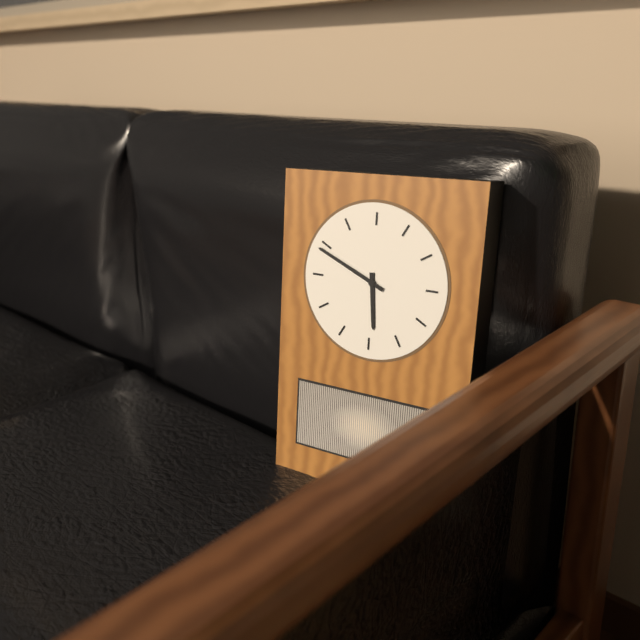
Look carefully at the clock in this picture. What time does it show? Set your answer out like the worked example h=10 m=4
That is h=5 m=49
